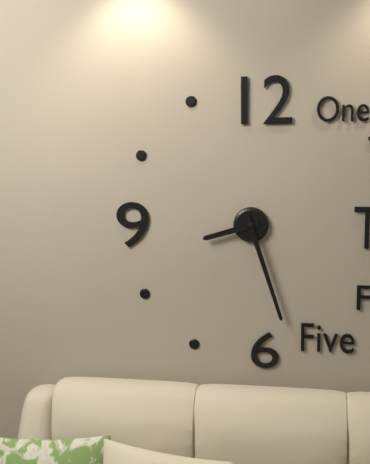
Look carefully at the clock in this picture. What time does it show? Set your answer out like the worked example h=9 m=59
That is h=8 m=27
